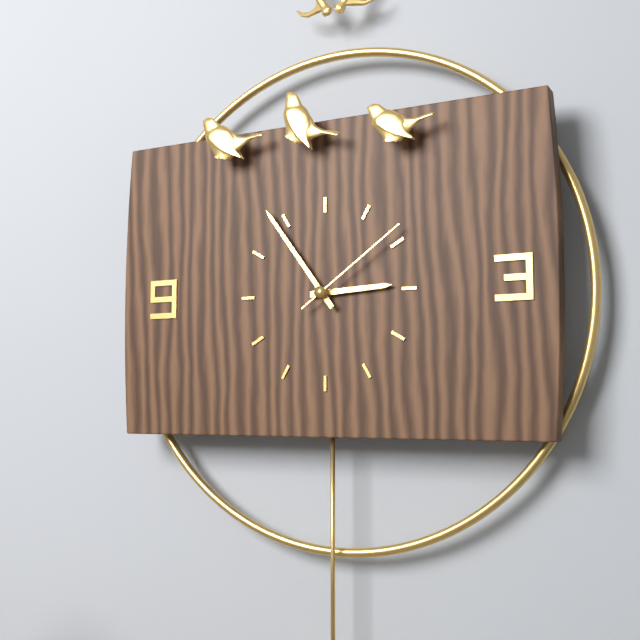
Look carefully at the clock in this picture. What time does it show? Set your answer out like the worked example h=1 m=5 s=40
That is h=2 m=54 s=9
